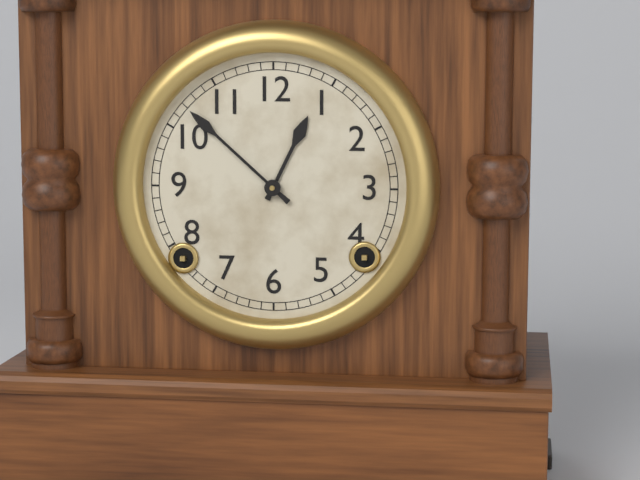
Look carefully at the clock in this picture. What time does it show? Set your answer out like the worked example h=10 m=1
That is h=12 m=52
